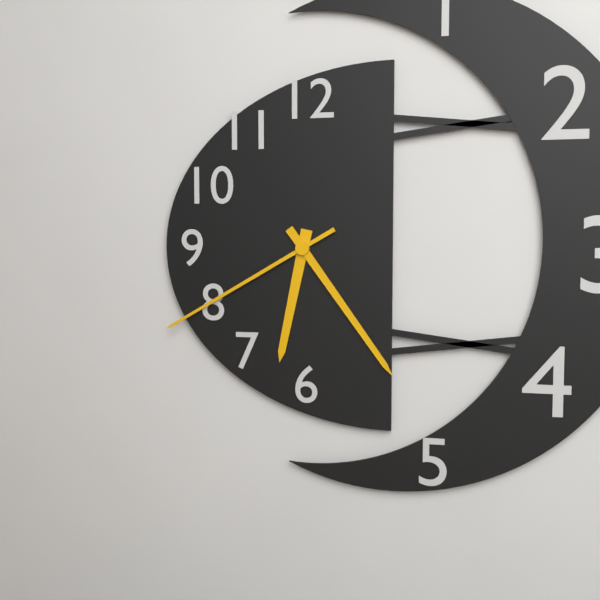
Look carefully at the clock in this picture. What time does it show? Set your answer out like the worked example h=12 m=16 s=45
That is h=6 m=24 s=40
